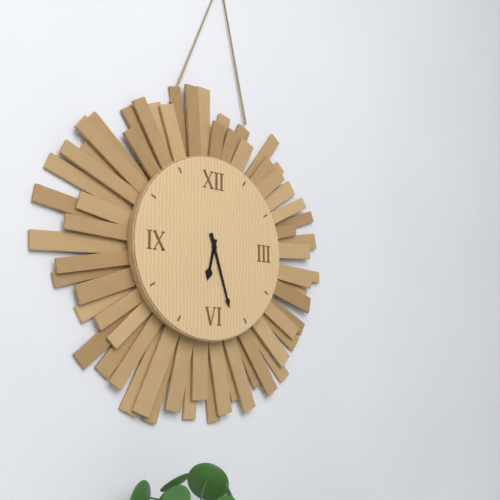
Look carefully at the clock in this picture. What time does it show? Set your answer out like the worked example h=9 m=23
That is h=6 m=27
